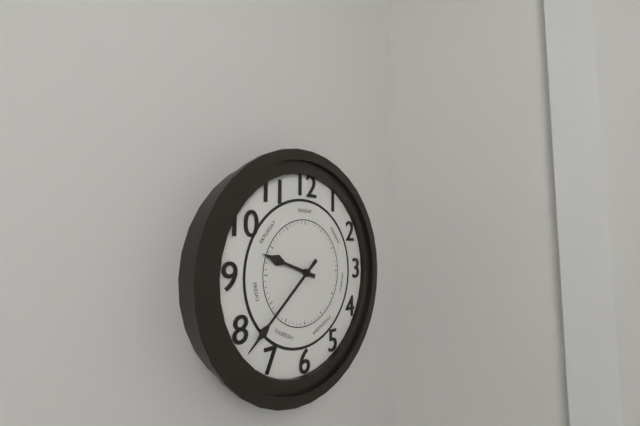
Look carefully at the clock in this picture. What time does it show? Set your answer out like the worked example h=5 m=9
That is h=9 m=38
